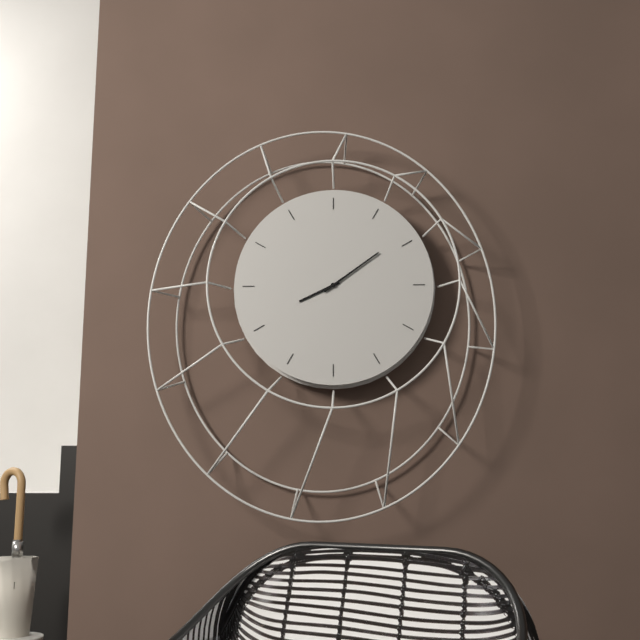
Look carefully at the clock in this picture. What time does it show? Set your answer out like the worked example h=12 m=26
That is h=8 m=9
